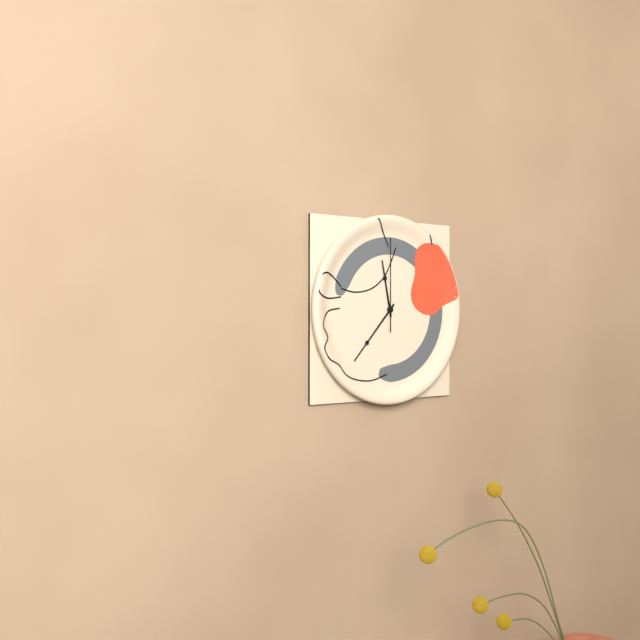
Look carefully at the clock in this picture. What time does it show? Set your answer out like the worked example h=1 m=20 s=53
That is h=11 m=37 s=0
